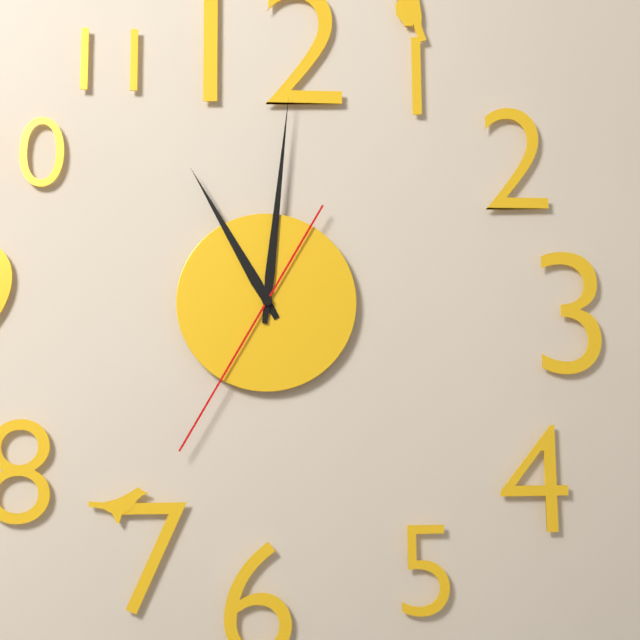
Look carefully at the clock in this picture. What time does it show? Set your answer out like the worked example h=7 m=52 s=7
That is h=11 m=1 s=35
